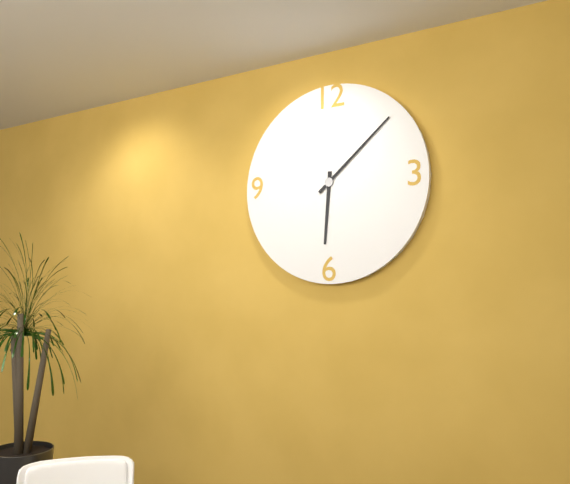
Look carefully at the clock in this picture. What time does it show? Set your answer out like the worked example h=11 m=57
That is h=6 m=8
